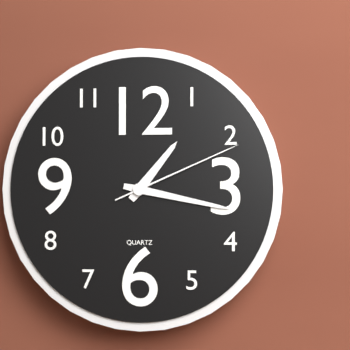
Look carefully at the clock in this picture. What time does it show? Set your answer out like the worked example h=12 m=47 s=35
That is h=1 m=17 s=11
